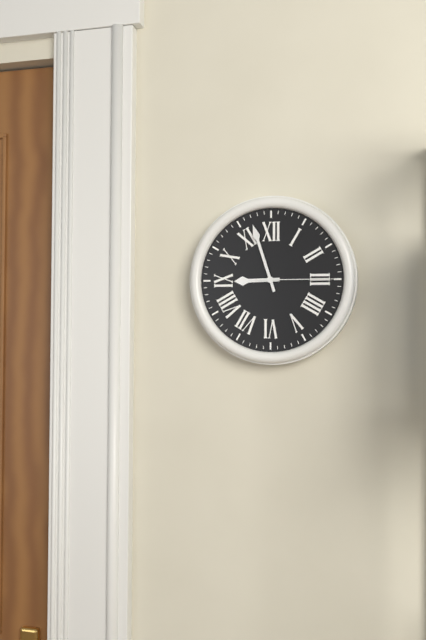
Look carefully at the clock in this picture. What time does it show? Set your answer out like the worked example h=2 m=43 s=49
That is h=8 m=57 s=15
